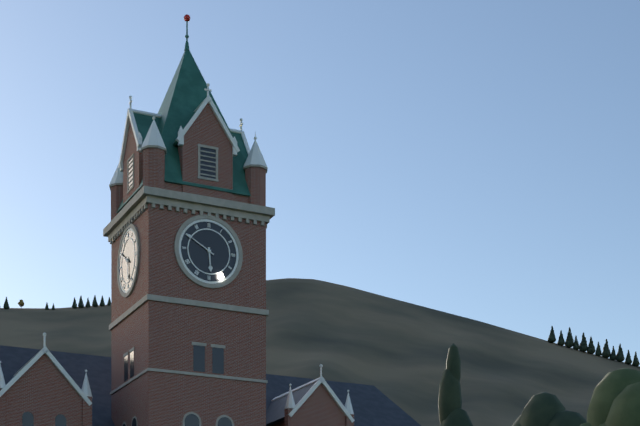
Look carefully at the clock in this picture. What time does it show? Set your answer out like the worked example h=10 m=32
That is h=5 m=50
